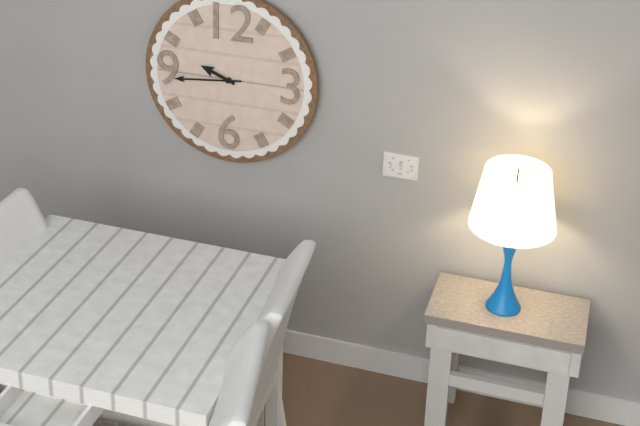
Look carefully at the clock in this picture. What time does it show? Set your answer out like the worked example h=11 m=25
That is h=9 m=44
